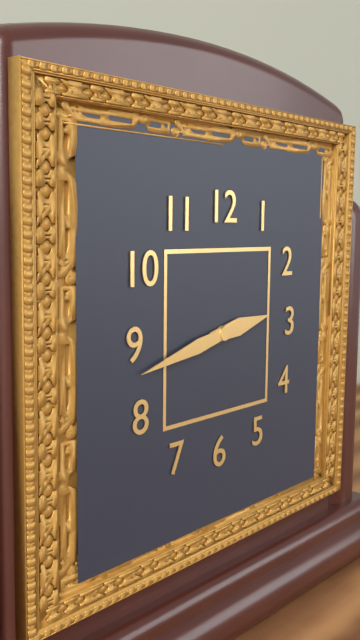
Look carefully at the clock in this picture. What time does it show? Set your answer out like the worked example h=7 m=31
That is h=2 m=43
